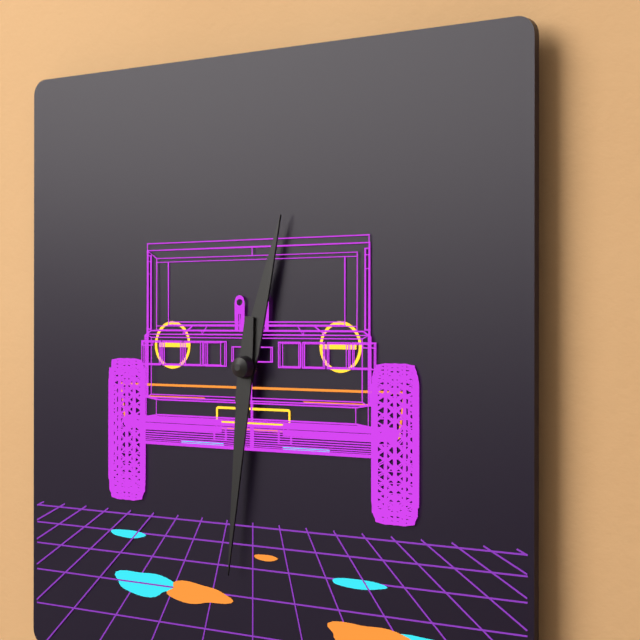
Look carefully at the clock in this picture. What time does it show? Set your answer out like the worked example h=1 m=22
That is h=12 m=31
